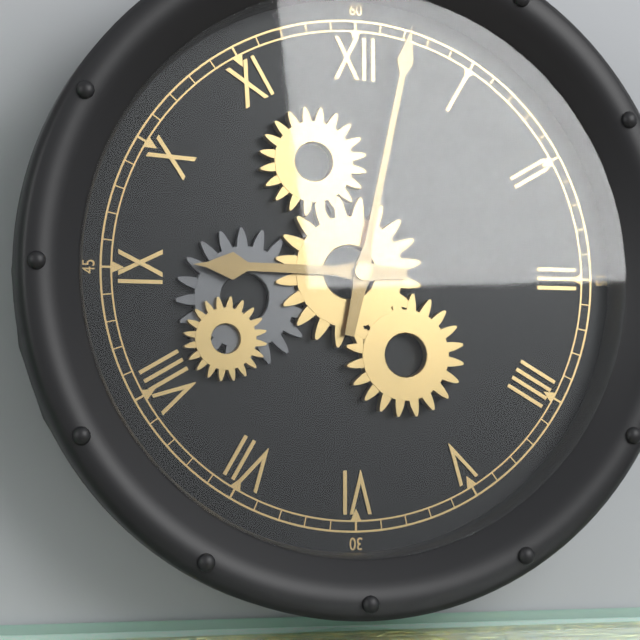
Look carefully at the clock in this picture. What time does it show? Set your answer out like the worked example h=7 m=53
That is h=9 m=2
